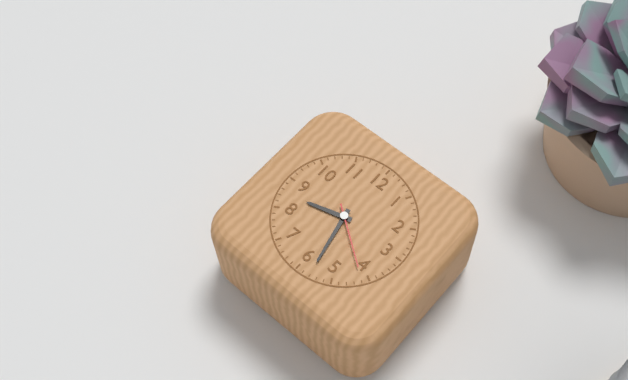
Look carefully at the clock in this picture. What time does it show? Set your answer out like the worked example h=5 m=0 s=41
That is h=8 m=28 s=21
